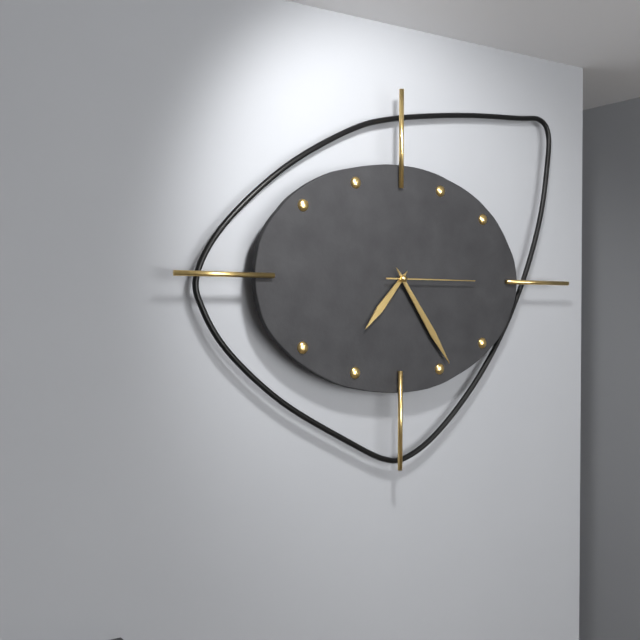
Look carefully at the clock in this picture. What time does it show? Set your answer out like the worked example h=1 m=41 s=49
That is h=7 m=24 s=15
